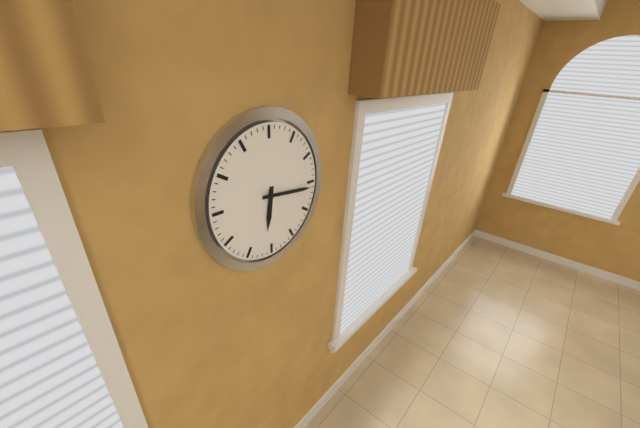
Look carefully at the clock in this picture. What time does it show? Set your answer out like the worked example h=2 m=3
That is h=6 m=16
